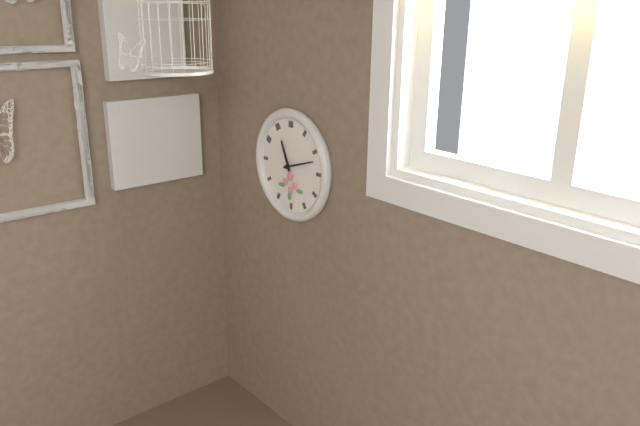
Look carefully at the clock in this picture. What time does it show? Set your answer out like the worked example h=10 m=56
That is h=11 m=12
